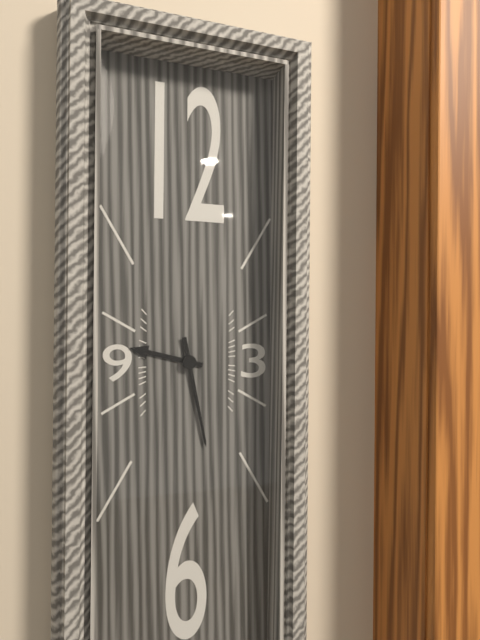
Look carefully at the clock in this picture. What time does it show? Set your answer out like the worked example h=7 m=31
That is h=9 m=28
